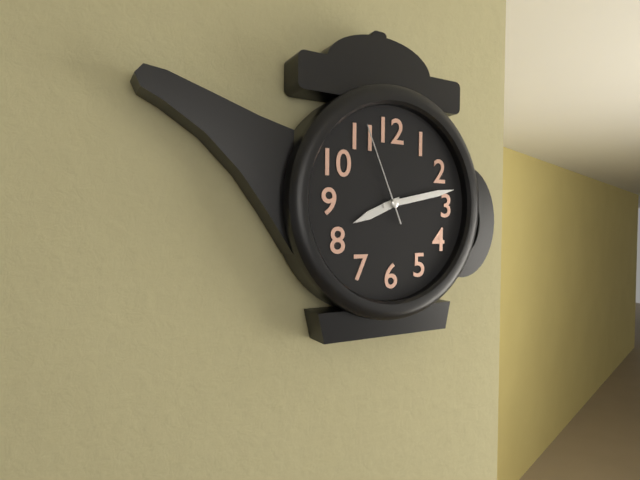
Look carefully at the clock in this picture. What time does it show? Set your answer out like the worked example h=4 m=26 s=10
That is h=8 m=13 s=56
